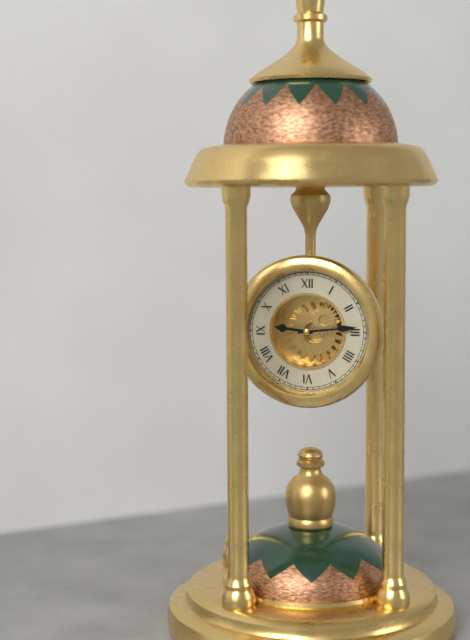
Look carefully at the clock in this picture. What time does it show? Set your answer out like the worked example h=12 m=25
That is h=9 m=14
